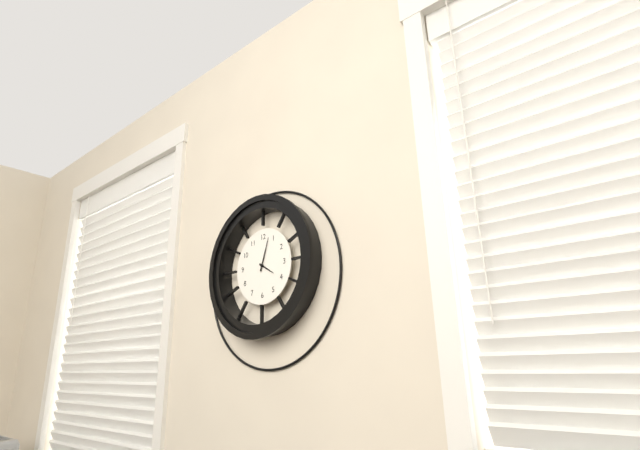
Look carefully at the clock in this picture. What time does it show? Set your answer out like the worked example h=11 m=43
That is h=4 m=3
